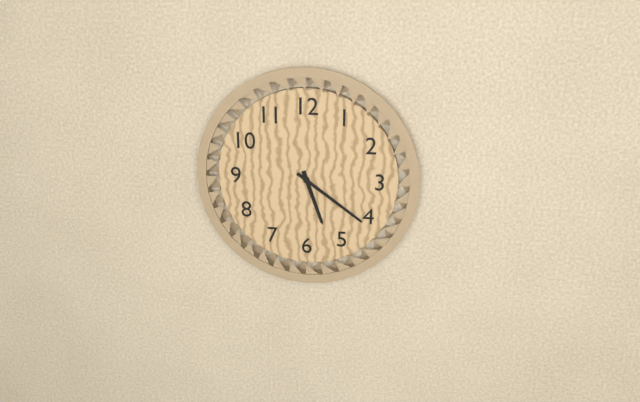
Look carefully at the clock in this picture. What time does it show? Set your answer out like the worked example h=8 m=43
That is h=5 m=21
